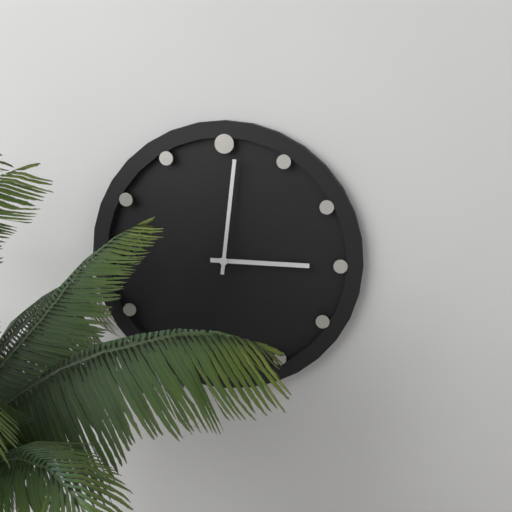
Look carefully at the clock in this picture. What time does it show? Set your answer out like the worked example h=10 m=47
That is h=3 m=1
